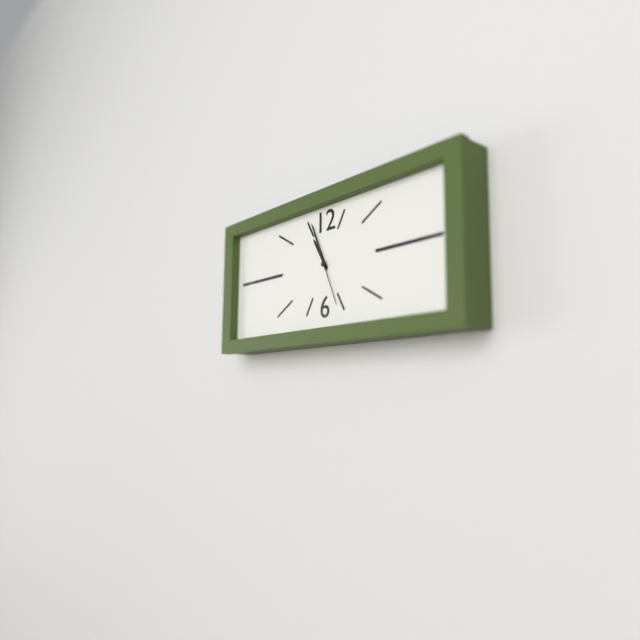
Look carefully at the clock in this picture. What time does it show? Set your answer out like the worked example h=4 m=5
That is h=10 m=56
